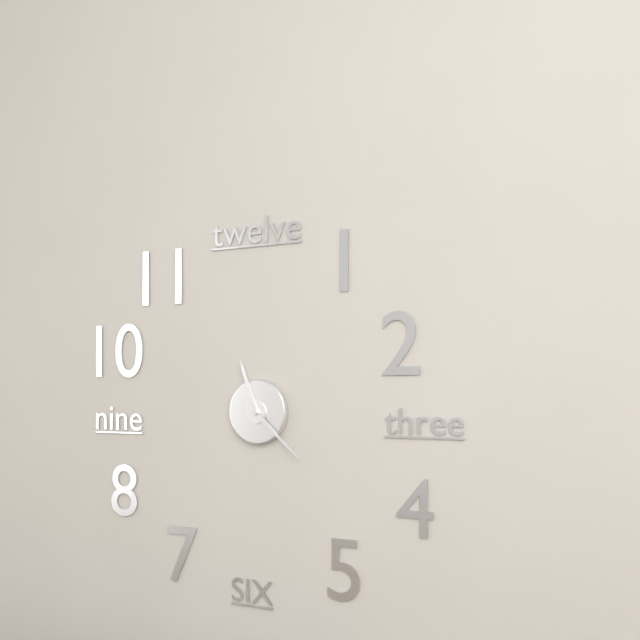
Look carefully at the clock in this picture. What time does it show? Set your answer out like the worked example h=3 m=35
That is h=11 m=22
